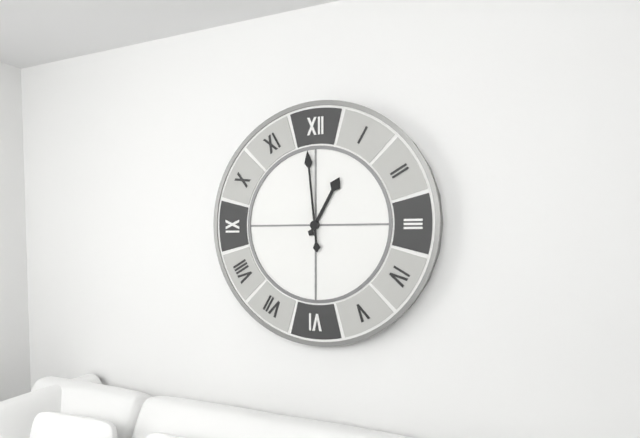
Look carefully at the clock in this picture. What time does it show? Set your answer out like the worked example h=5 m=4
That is h=12 m=59
